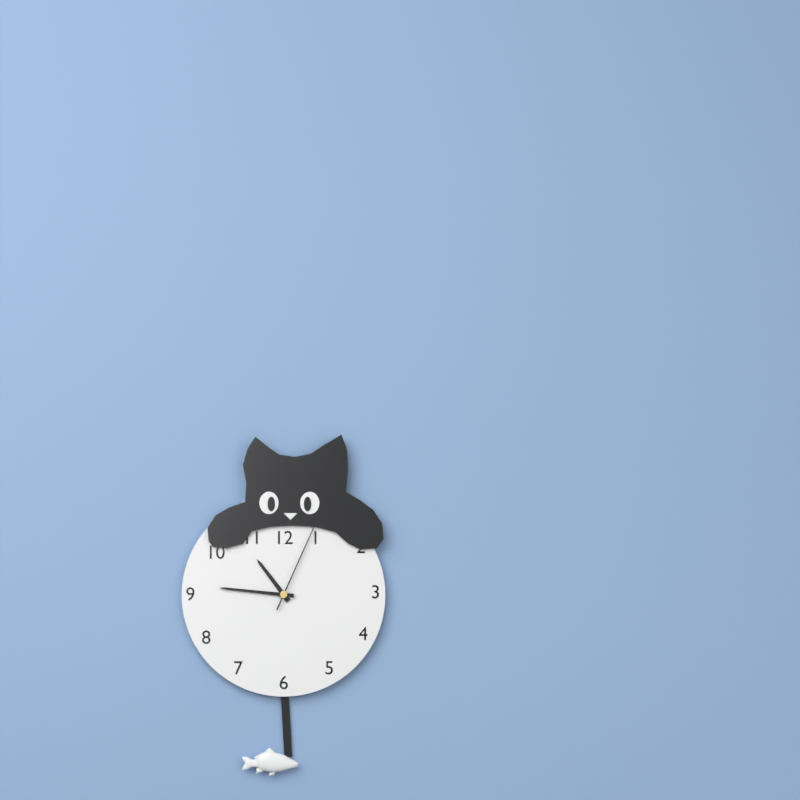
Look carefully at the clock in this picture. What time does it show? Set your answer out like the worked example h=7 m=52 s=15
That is h=10 m=46 s=4
